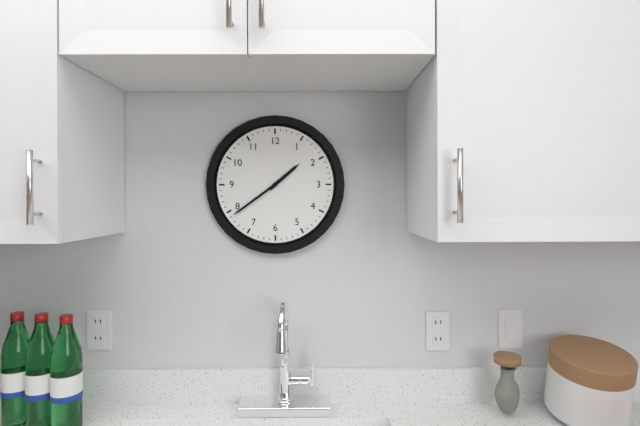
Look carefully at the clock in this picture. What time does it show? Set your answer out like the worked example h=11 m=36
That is h=1 m=39
